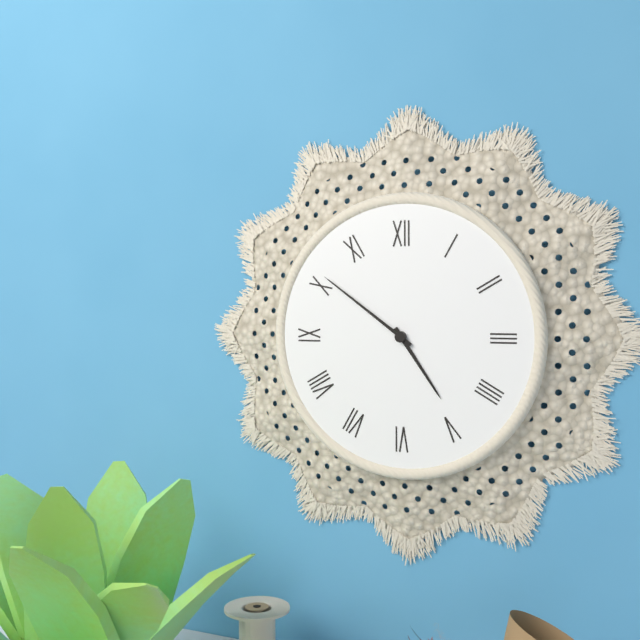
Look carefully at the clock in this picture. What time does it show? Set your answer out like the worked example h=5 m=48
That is h=4 m=51
